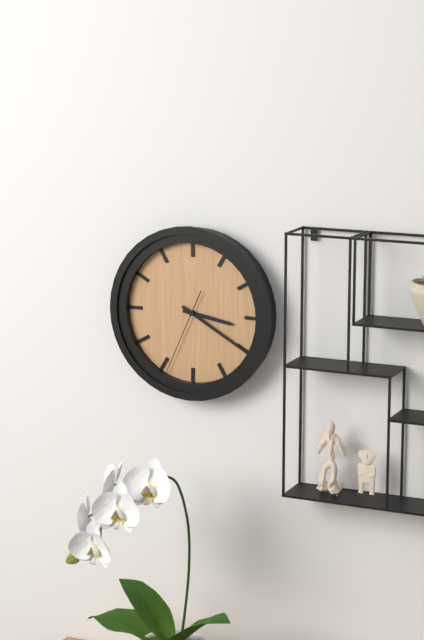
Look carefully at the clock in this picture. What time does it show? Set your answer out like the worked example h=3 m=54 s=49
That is h=3 m=20 s=34
